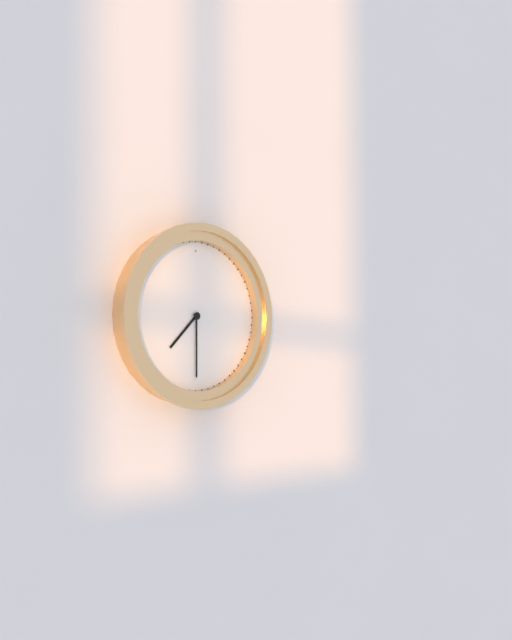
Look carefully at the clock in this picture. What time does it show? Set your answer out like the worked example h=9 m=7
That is h=7 m=30
